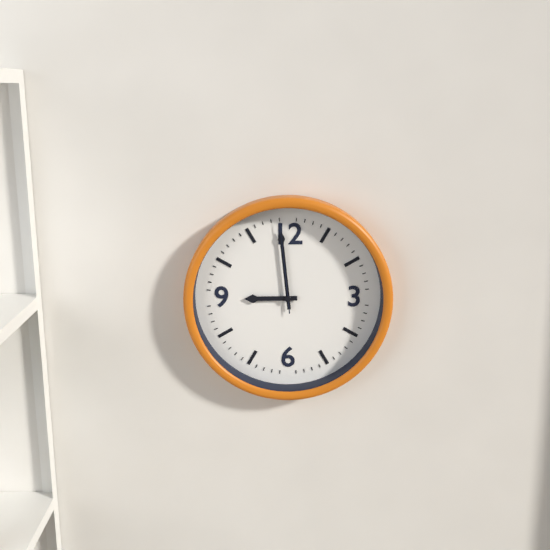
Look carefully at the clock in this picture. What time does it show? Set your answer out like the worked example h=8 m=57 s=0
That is h=8 m=59 s=59
